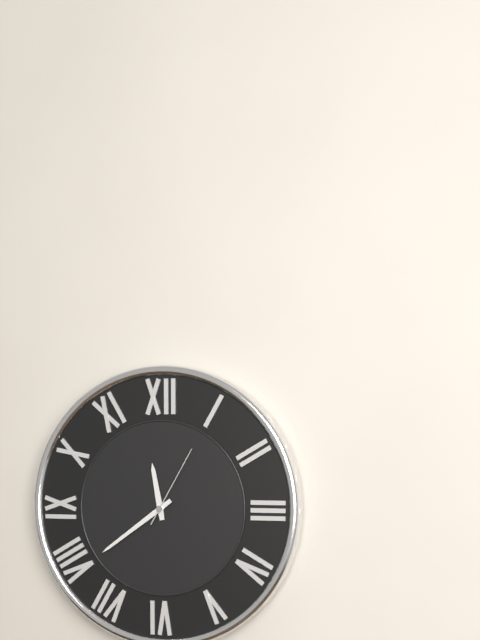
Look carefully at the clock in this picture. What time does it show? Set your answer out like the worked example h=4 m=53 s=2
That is h=11 m=39 s=5
